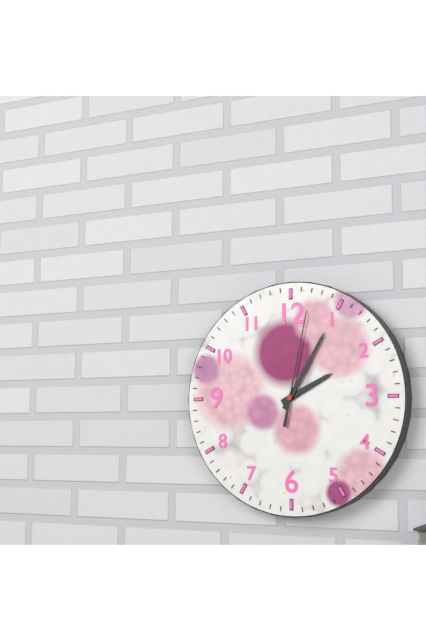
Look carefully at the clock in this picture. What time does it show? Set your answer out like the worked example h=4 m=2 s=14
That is h=2 m=5 s=2
